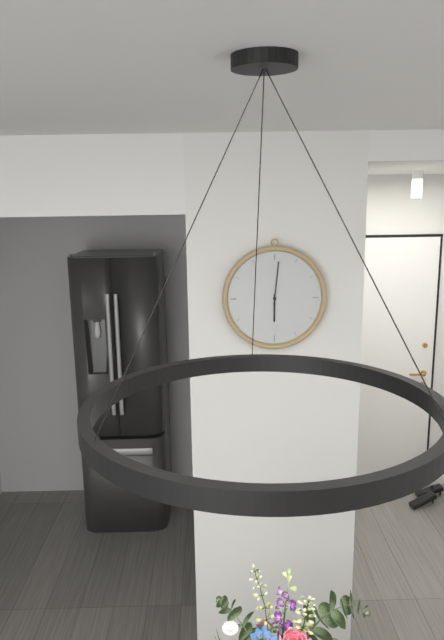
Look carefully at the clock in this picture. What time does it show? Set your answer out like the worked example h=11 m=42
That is h=6 m=1
